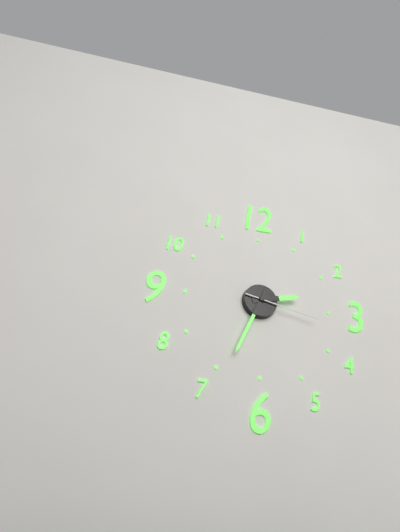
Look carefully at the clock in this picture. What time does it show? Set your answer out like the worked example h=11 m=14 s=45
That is h=2 m=34 s=17
